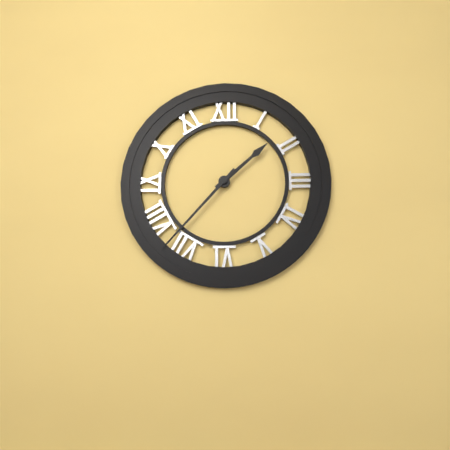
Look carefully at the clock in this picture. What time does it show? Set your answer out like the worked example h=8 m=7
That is h=1 m=37
